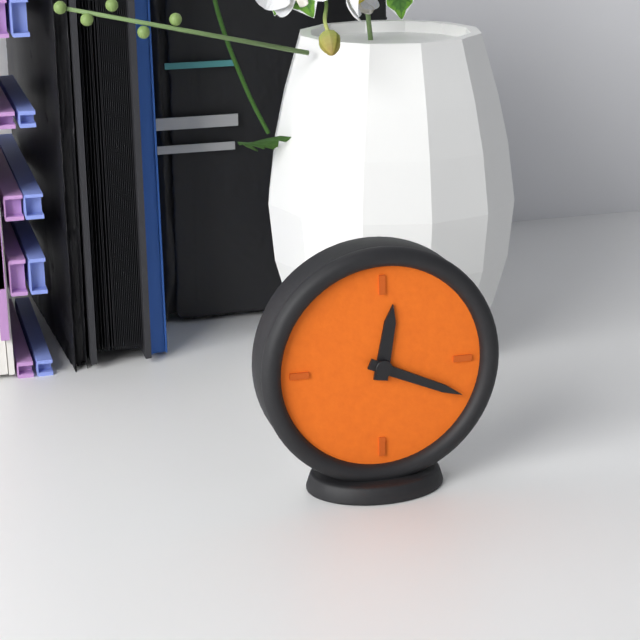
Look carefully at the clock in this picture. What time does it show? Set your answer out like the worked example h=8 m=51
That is h=12 m=19
